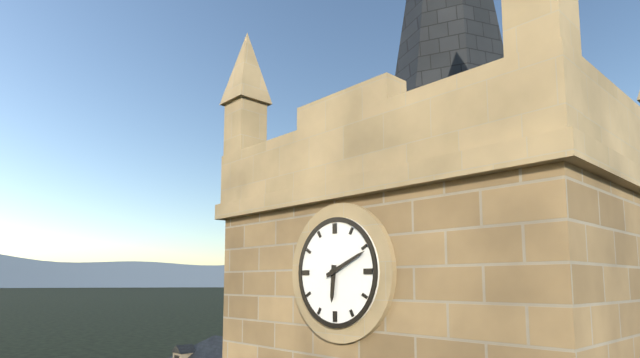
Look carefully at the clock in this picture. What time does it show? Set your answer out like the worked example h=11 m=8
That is h=6 m=11
